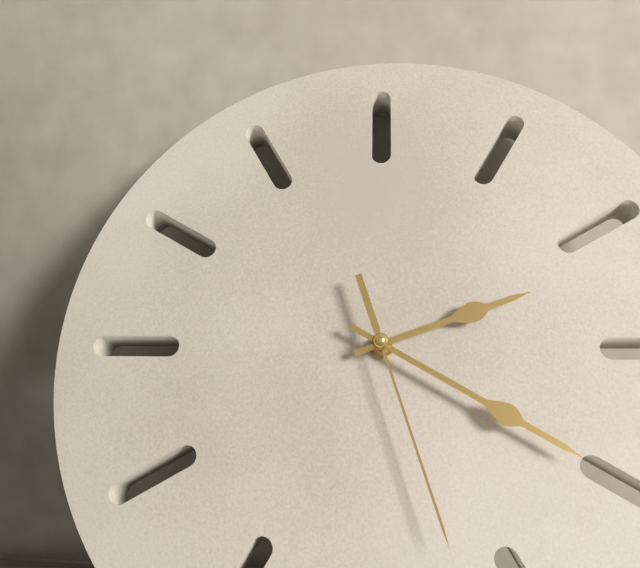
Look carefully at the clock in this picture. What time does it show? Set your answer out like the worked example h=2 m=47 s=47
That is h=2 m=20 s=27
